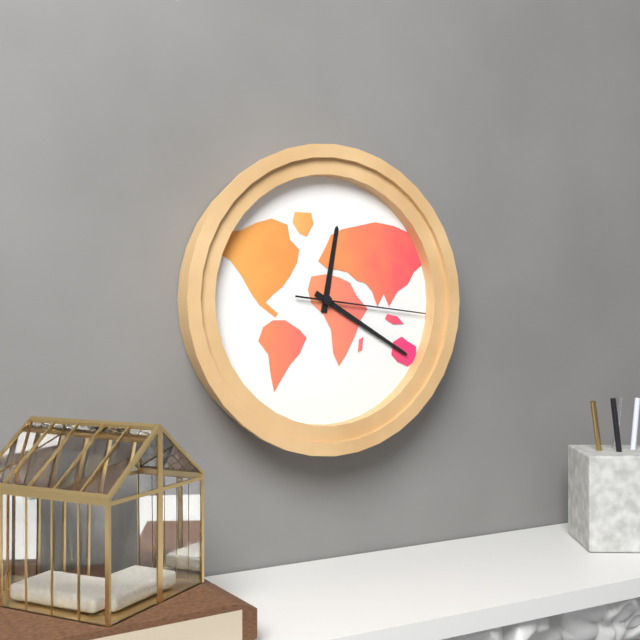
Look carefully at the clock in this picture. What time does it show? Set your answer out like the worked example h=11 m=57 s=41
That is h=12 m=20 s=16
